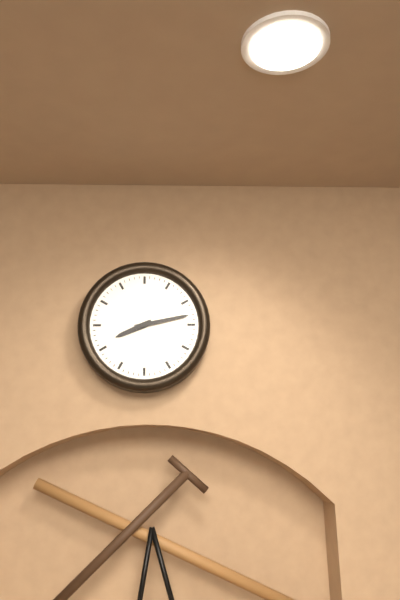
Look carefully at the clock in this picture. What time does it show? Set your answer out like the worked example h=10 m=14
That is h=8 m=13
